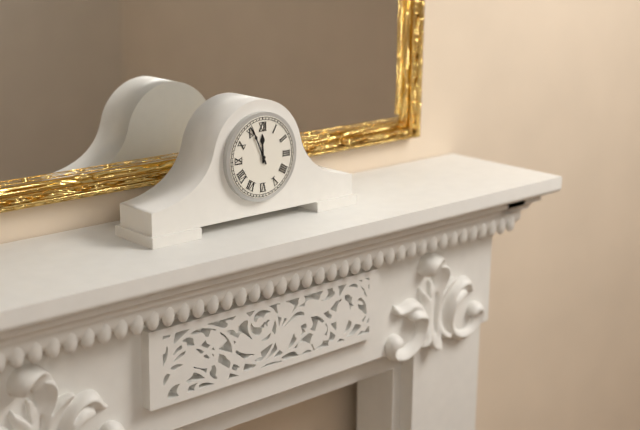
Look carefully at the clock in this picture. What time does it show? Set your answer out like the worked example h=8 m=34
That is h=11 m=56
